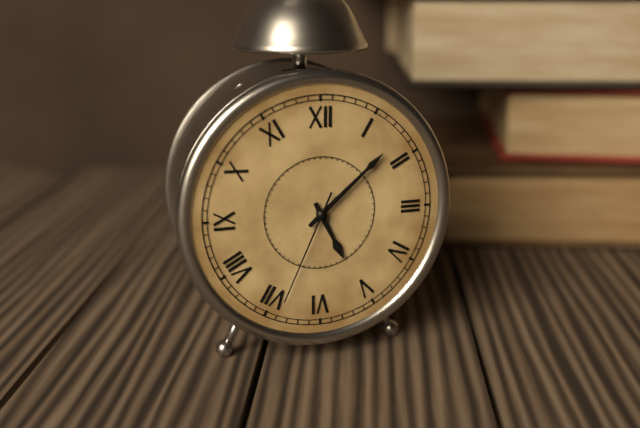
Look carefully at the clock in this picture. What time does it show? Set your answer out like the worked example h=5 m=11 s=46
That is h=5 m=8 s=34
